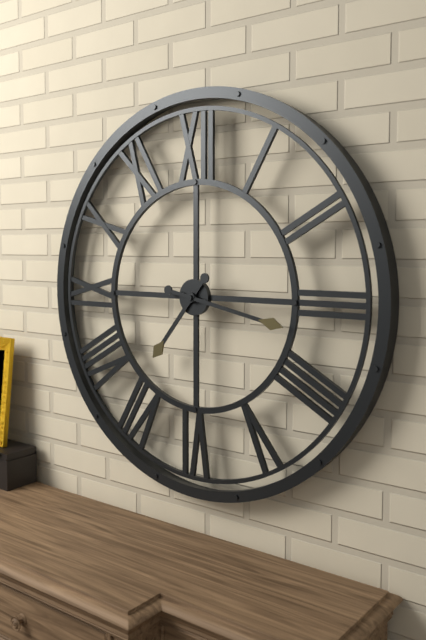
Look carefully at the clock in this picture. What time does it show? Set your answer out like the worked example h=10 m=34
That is h=7 m=17
